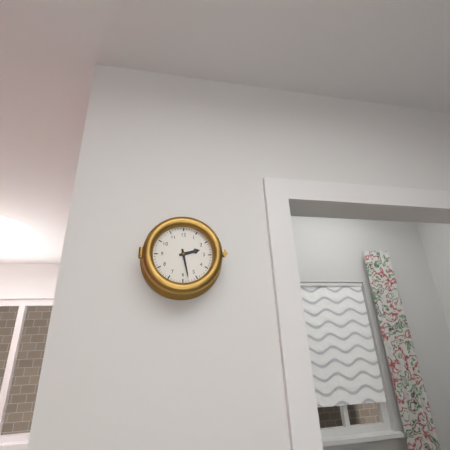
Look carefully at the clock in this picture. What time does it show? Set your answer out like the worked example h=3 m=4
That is h=2 m=28
